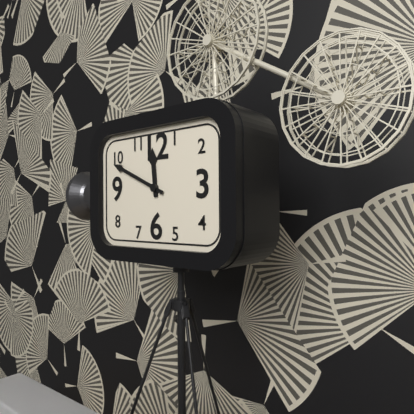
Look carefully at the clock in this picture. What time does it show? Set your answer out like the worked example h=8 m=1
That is h=11 m=49
